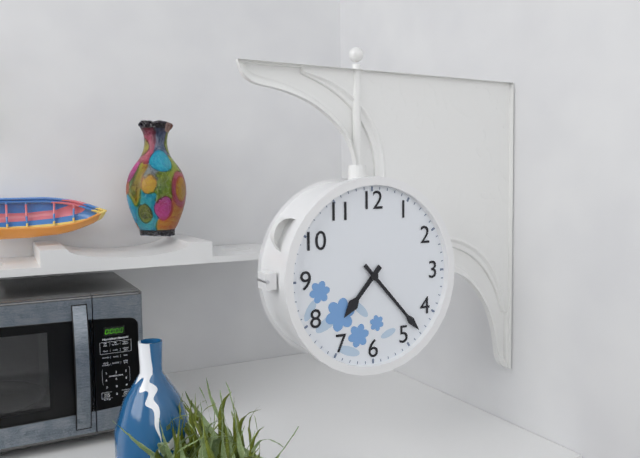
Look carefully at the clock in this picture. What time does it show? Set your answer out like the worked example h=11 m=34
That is h=7 m=23
